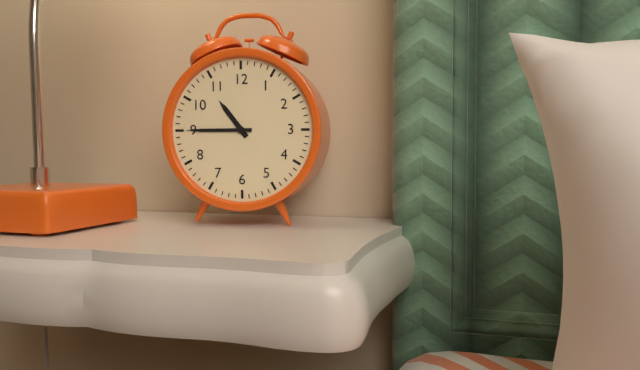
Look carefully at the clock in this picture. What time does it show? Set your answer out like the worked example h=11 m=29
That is h=10 m=45
